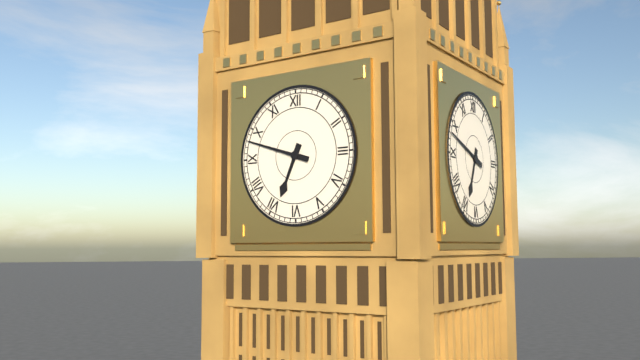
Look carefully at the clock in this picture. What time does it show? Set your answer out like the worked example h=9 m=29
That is h=6 m=48
